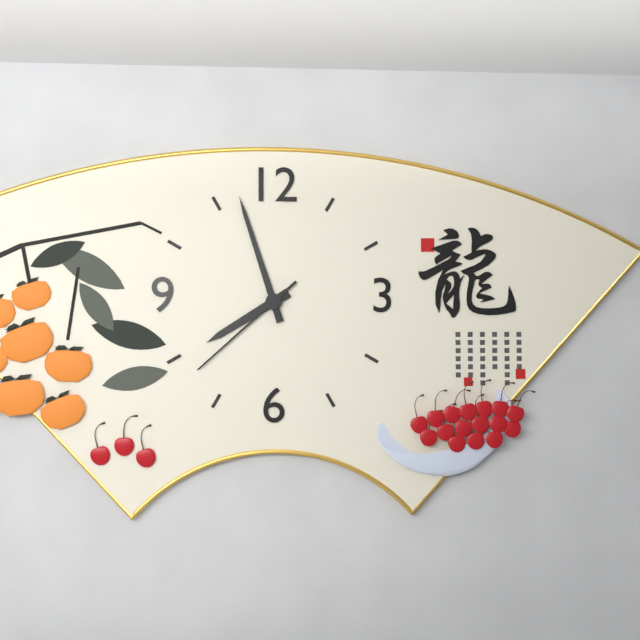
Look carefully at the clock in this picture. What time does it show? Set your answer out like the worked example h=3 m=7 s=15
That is h=7 m=57 s=38
